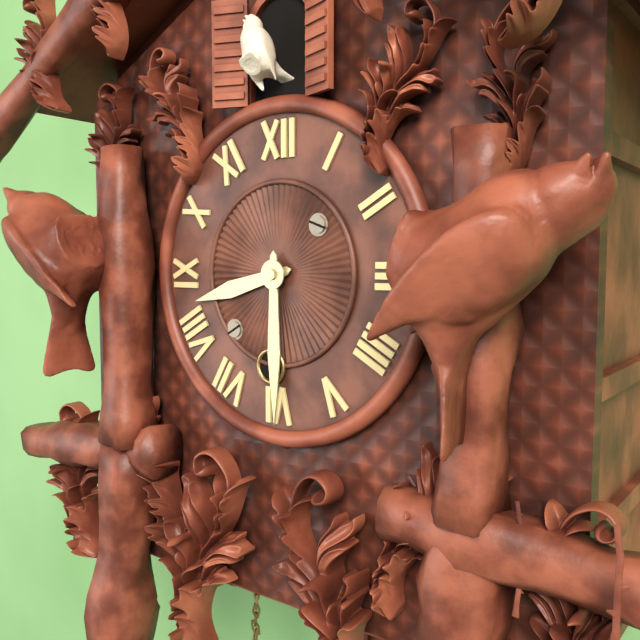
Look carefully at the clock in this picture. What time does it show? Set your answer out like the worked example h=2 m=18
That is h=8 m=30
